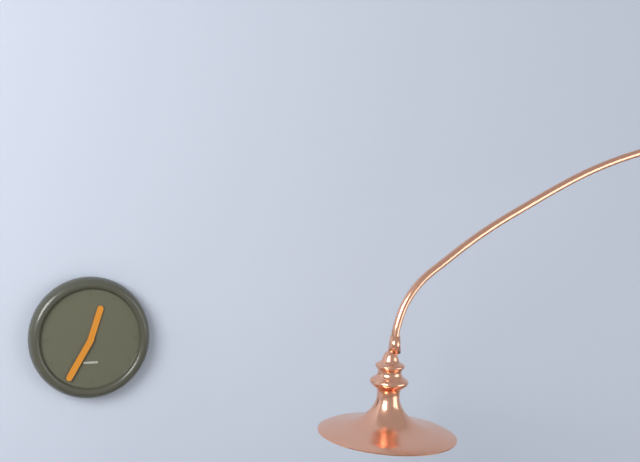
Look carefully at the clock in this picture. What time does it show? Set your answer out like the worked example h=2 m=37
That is h=12 m=35
